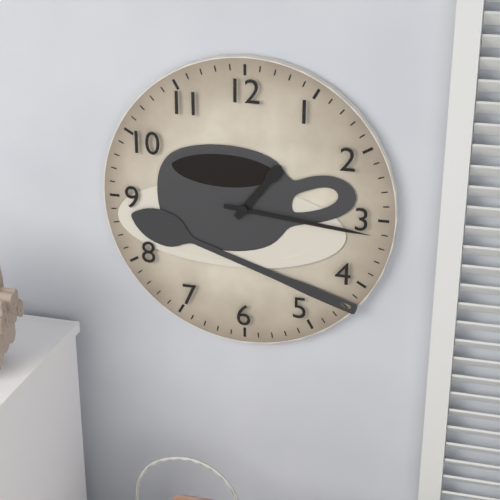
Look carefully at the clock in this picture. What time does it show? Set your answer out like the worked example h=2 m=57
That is h=1 m=16
